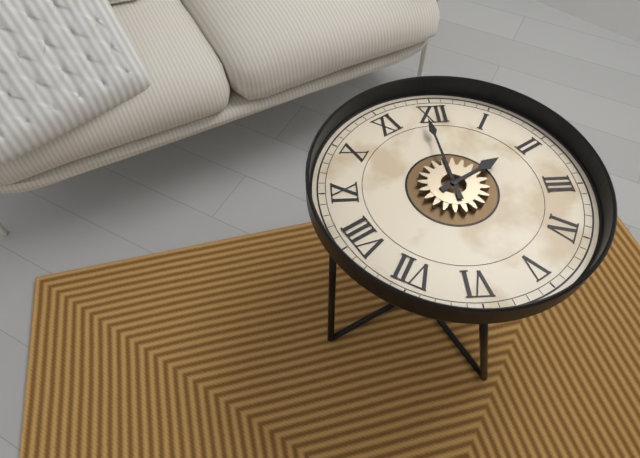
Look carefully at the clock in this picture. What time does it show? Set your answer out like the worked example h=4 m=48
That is h=1 m=59
